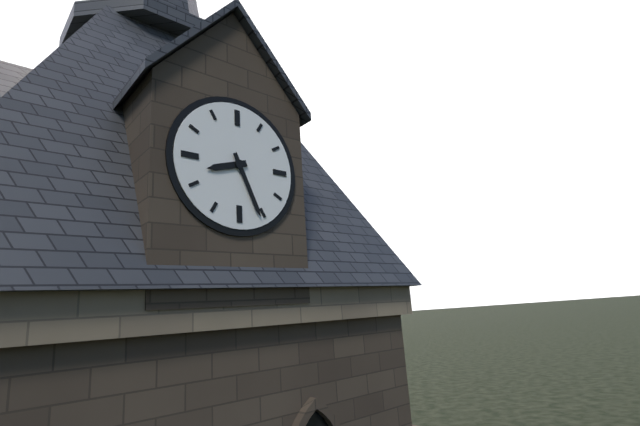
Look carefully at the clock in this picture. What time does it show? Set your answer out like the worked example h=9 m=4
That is h=8 m=26
